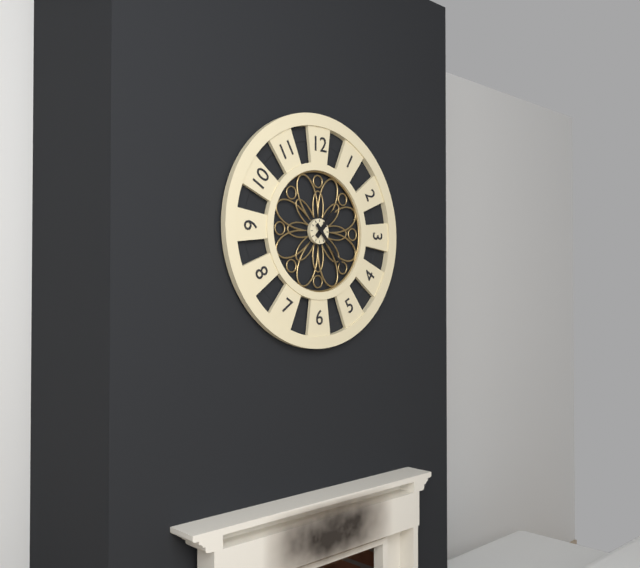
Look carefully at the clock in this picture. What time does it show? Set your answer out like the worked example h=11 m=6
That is h=1 m=23
